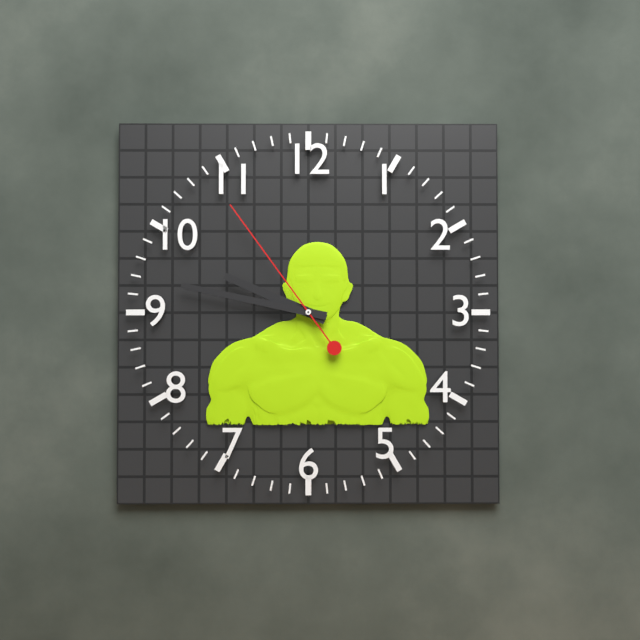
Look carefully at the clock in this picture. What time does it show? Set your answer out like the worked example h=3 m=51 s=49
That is h=9 m=47 s=54
